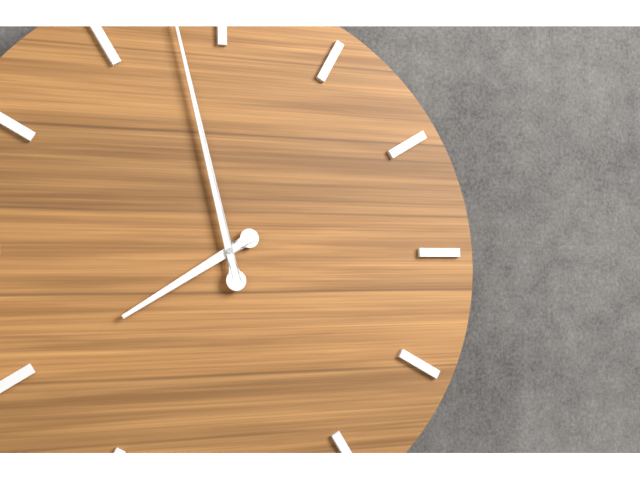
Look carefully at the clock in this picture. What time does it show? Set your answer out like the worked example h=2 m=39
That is h=7 m=58
